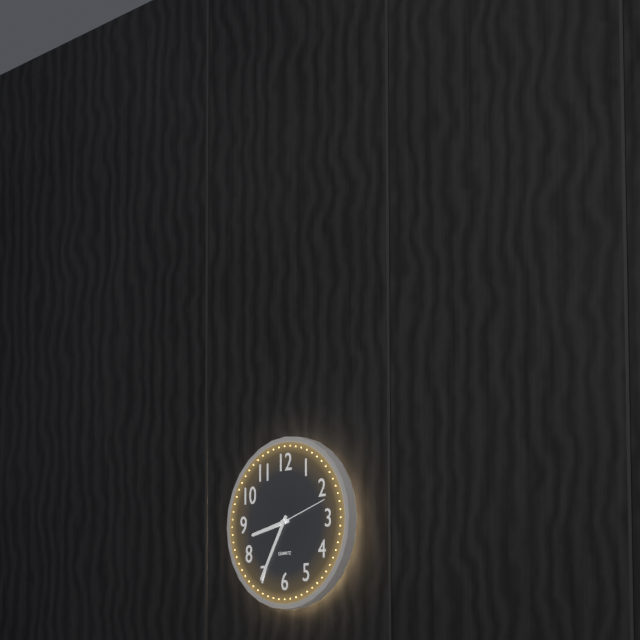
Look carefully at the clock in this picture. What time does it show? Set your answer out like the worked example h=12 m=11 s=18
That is h=8 m=35 s=12
